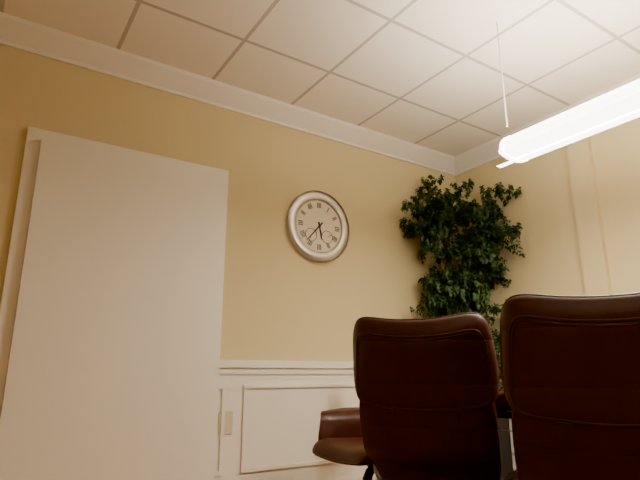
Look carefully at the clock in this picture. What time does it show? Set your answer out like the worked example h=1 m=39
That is h=5 m=37
